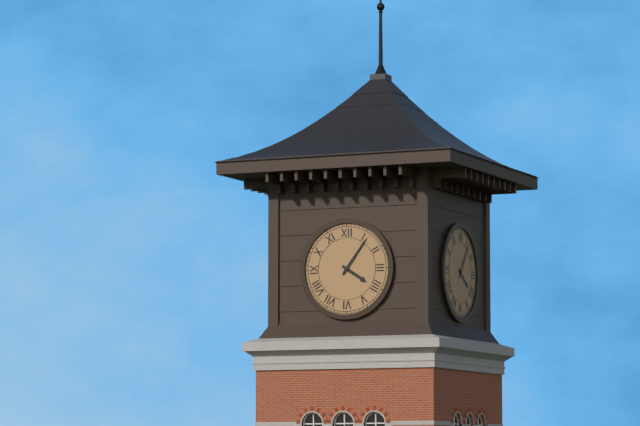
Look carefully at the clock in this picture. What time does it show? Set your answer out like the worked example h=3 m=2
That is h=4 m=6
